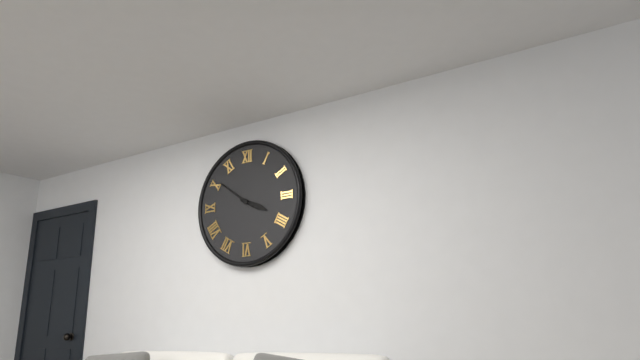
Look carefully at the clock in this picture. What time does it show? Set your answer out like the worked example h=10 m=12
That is h=3 m=51
